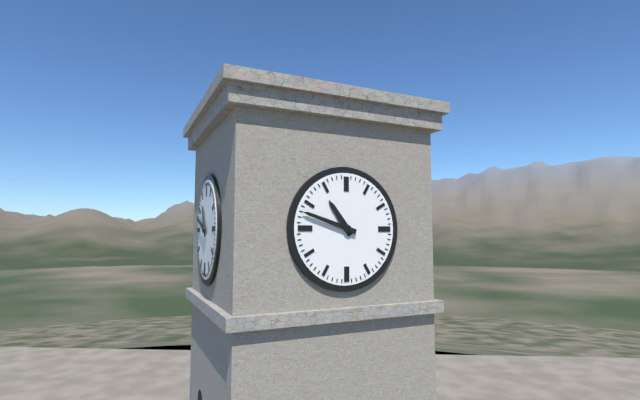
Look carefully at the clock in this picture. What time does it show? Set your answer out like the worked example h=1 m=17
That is h=10 m=48
